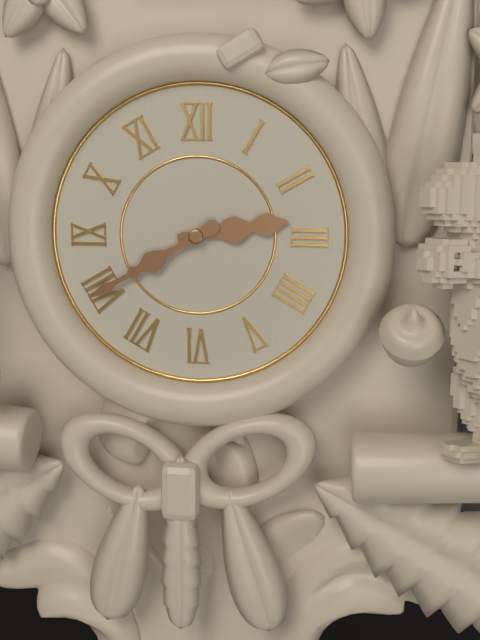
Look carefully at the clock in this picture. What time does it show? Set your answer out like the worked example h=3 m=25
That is h=2 m=40
